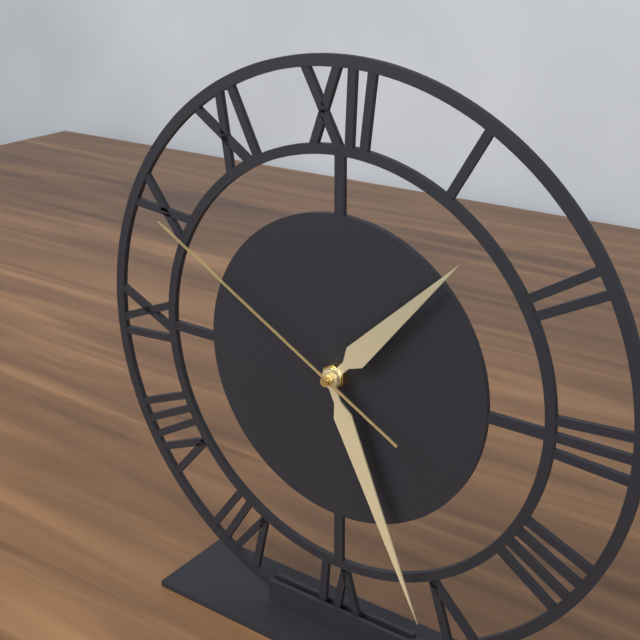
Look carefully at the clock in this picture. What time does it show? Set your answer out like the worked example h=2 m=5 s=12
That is h=1 m=26 s=50
